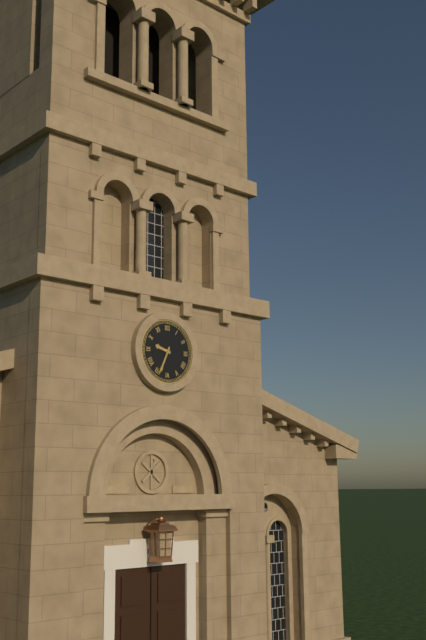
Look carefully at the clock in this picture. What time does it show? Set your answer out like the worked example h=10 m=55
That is h=9 m=34
